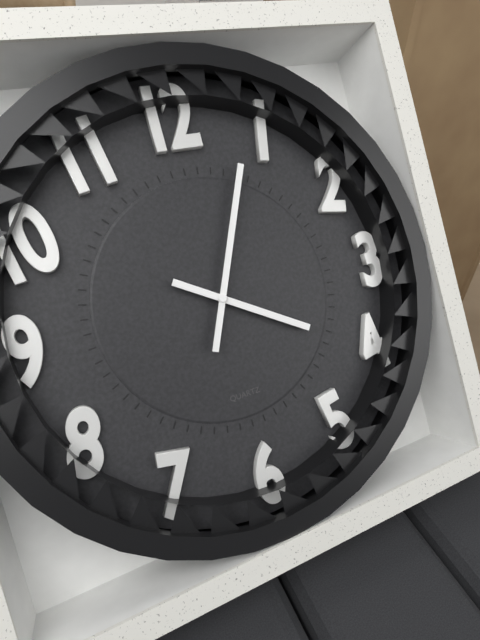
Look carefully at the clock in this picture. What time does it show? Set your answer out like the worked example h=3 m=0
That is h=4 m=4
